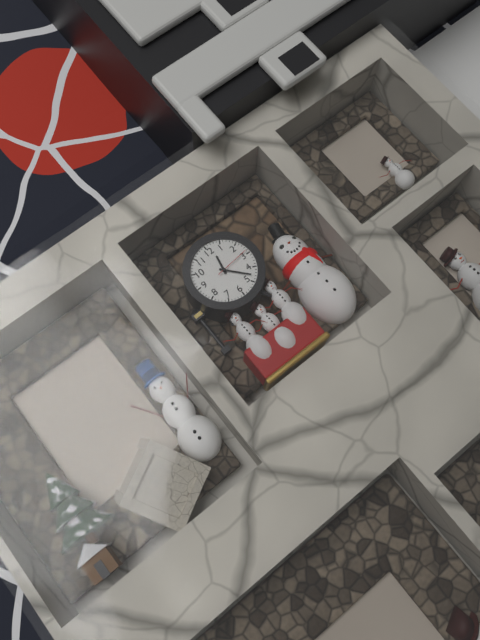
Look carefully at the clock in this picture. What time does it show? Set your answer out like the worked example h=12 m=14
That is h=12 m=23
